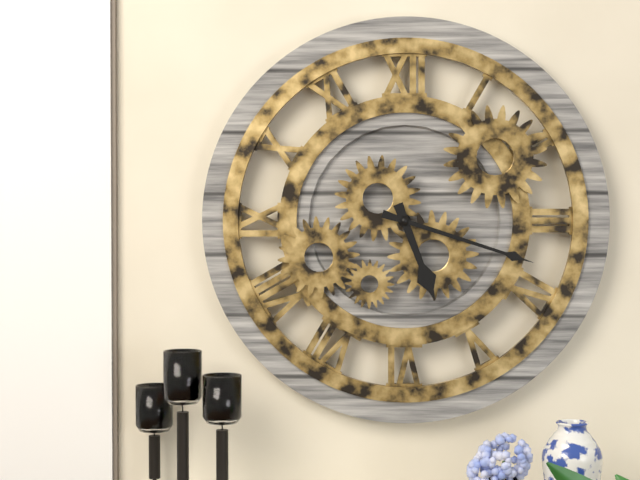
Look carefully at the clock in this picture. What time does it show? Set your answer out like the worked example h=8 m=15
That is h=5 m=18
